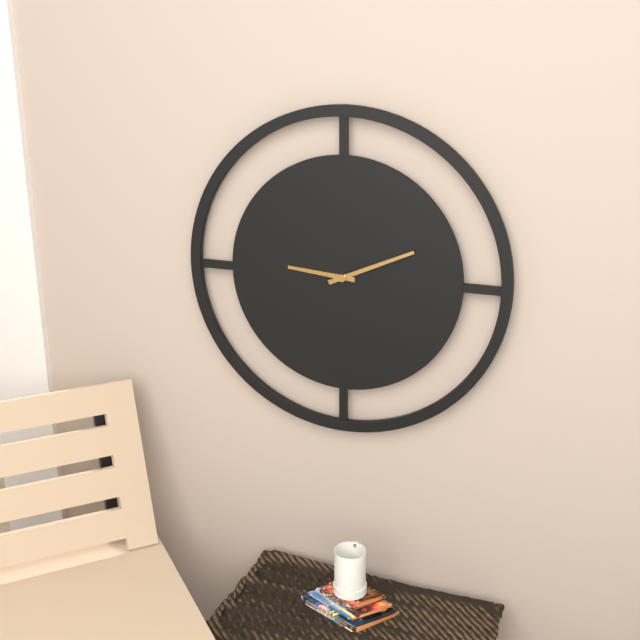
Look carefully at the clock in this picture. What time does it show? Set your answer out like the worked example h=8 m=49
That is h=9 m=11
